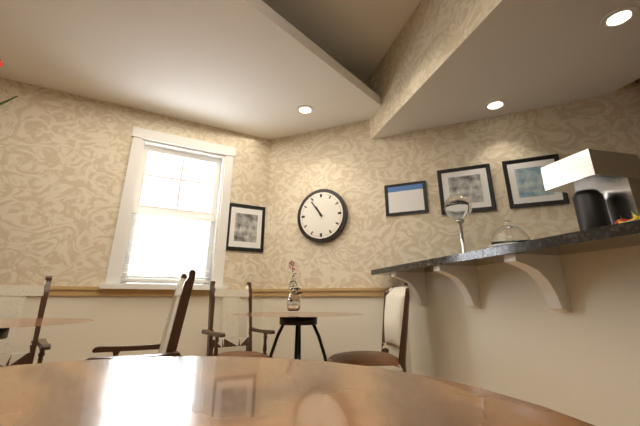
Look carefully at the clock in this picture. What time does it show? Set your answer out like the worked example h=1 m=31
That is h=10 m=54
